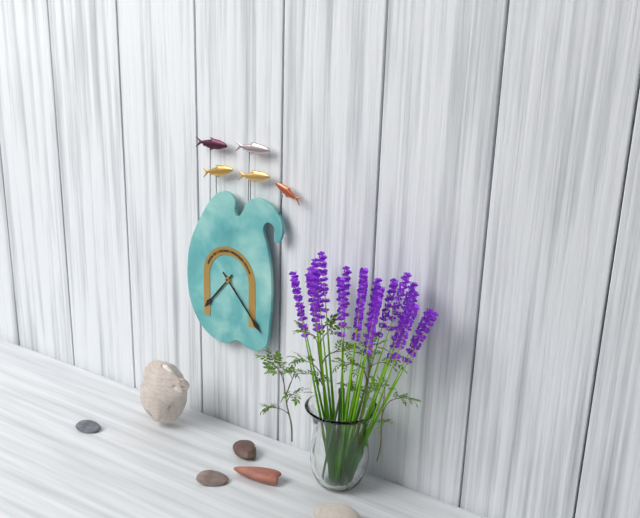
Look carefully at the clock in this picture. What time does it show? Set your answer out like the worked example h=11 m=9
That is h=7 m=23
